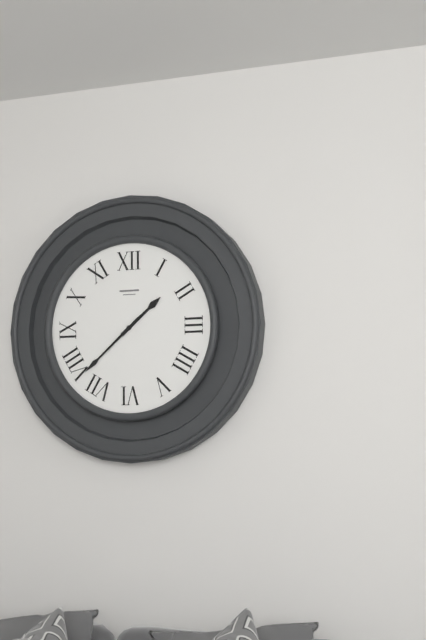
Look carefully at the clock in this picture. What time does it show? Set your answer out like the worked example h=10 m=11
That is h=1 m=38
